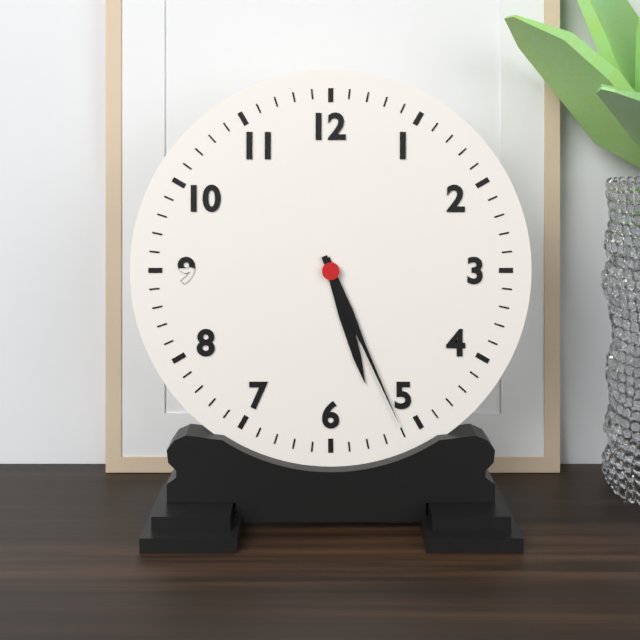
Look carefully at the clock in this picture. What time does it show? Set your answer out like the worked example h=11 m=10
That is h=5 m=26
